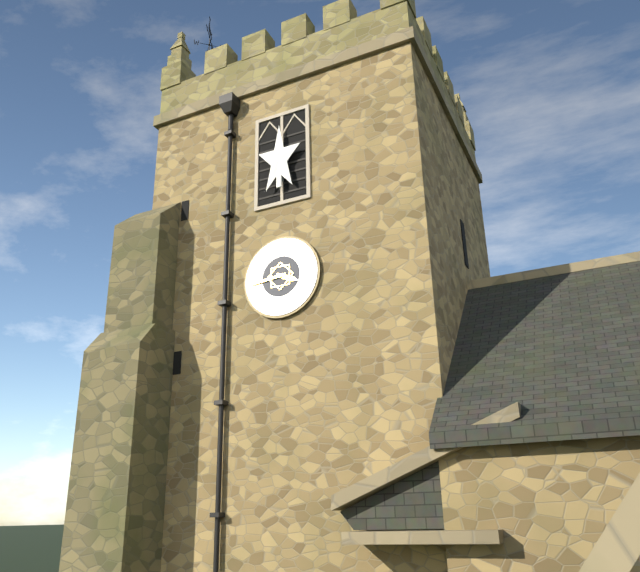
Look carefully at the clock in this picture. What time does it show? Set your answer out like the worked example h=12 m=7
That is h=3 m=44
